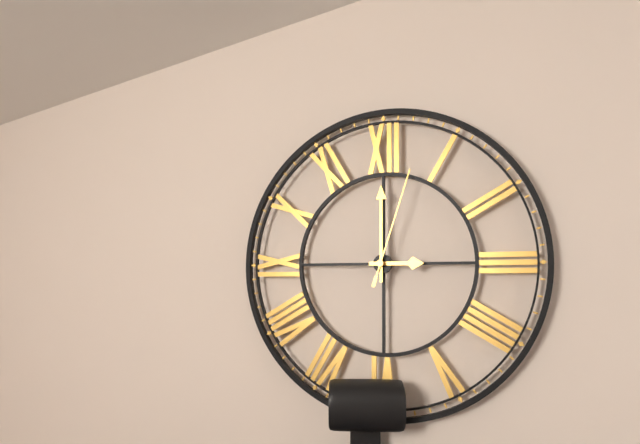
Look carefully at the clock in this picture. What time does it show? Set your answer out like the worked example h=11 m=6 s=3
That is h=3 m=0 s=3
